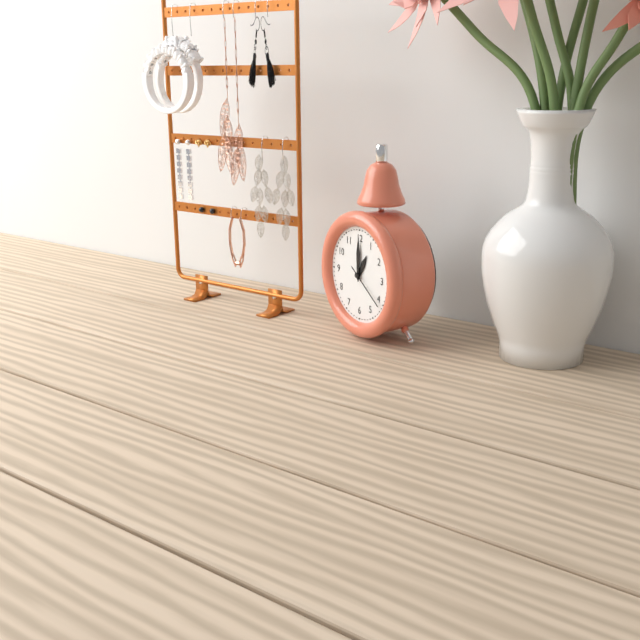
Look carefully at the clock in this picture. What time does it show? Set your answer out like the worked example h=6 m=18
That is h=1 m=0
